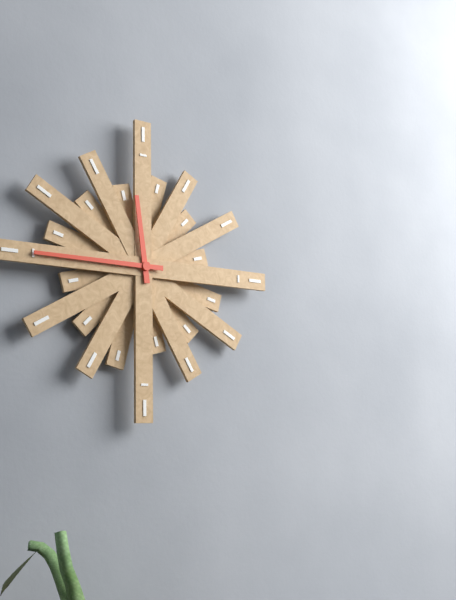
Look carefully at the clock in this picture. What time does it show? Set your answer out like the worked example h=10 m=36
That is h=11 m=45
